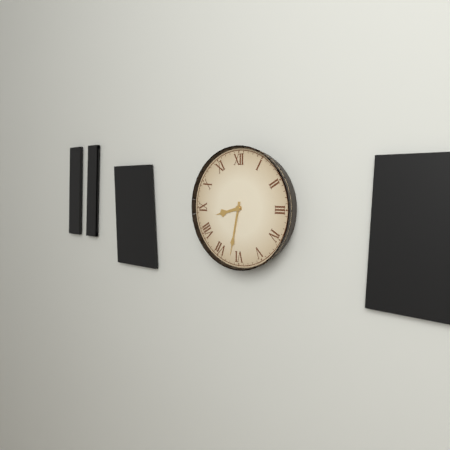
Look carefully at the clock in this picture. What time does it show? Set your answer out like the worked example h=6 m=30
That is h=8 m=32
